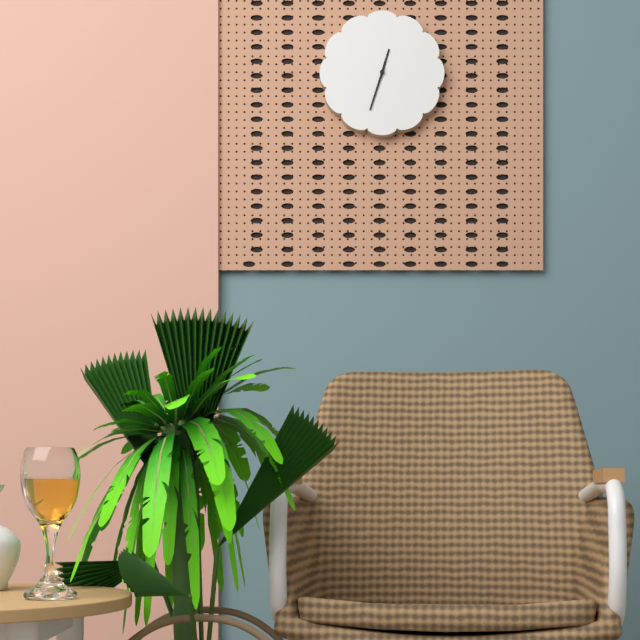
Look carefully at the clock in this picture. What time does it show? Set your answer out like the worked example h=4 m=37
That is h=12 m=33
